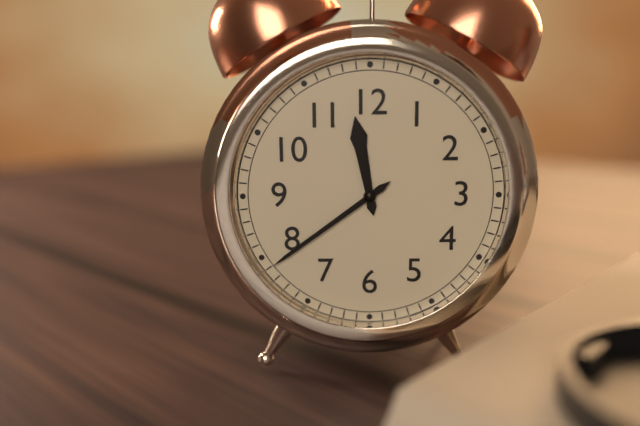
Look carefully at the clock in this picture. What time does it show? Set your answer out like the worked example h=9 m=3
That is h=11 m=39
